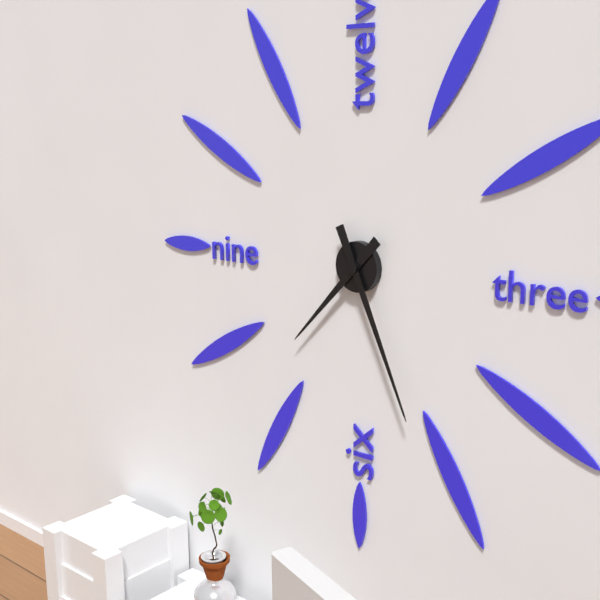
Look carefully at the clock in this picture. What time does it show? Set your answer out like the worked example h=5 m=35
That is h=7 m=26
